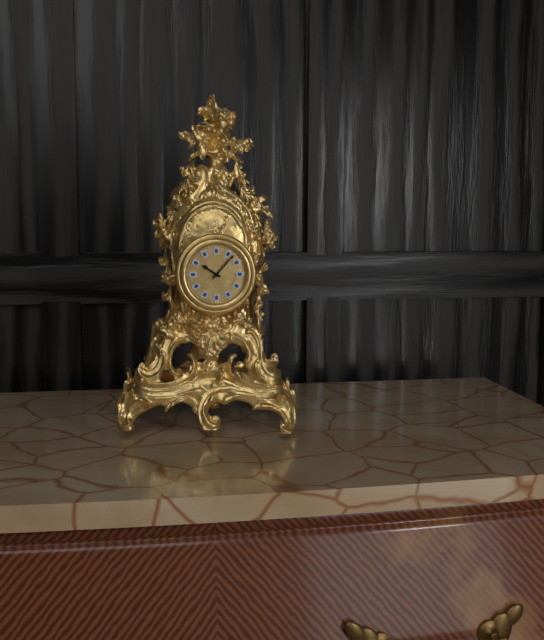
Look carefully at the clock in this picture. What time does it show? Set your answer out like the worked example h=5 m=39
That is h=10 m=7
